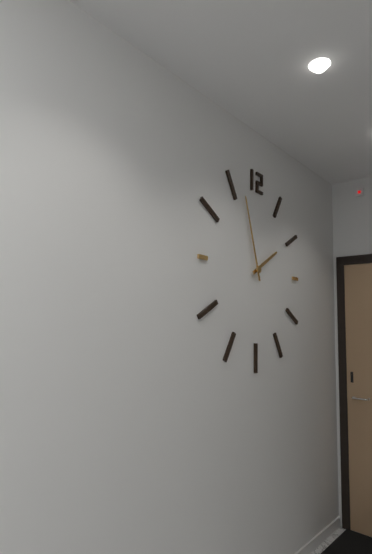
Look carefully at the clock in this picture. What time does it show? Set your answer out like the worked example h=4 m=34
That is h=1 m=57
